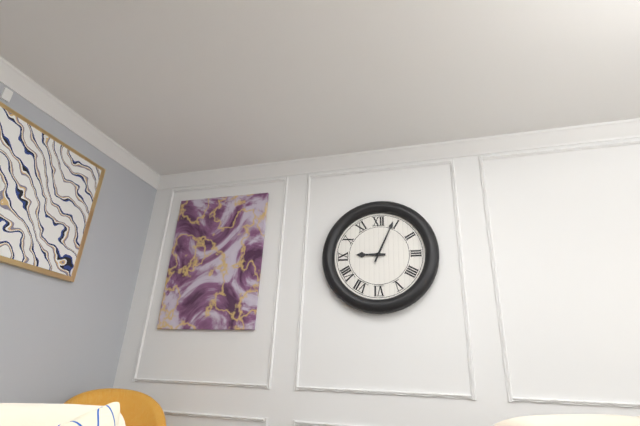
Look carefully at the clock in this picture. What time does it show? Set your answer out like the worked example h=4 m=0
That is h=9 m=4
